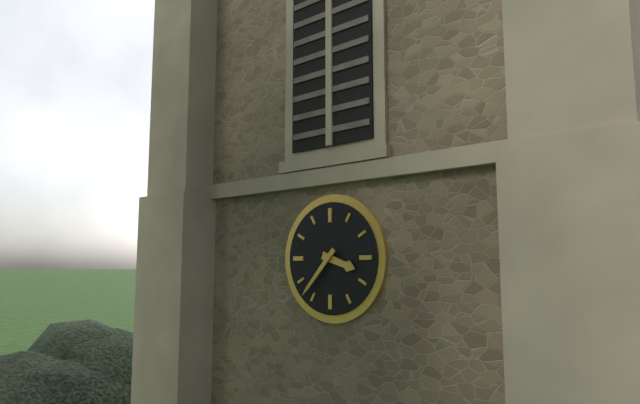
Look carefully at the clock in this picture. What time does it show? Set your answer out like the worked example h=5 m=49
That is h=3 m=37
